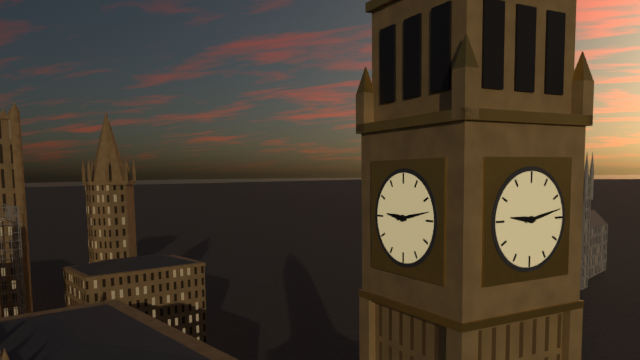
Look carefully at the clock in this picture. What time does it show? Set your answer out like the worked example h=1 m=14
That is h=9 m=13
